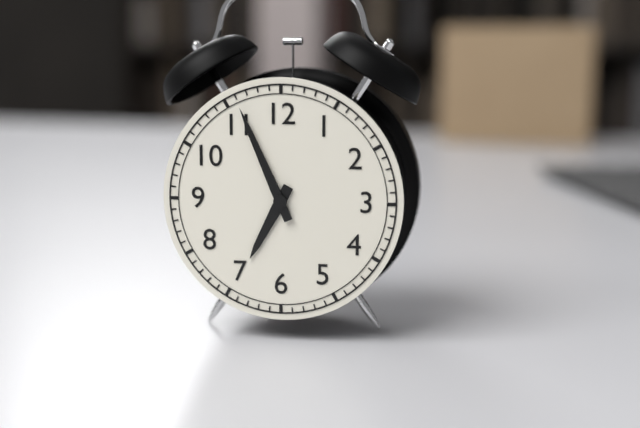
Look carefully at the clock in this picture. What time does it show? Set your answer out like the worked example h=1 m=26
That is h=6 m=56
